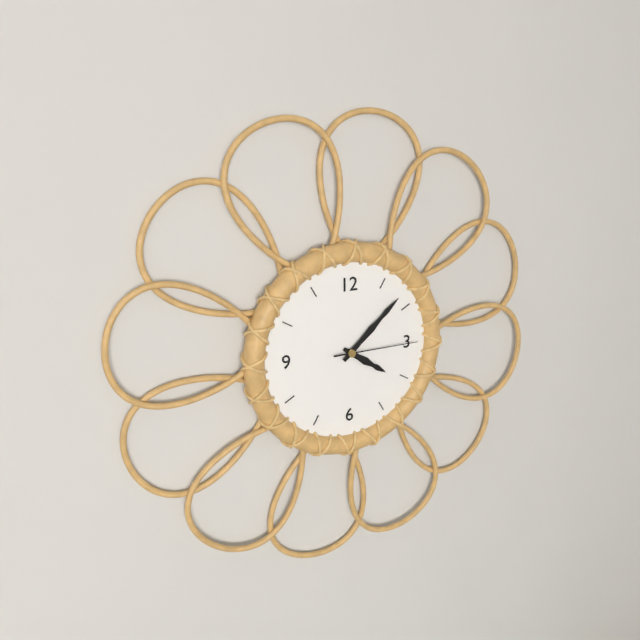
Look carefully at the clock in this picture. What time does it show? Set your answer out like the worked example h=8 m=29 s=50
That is h=4 m=8 s=15
